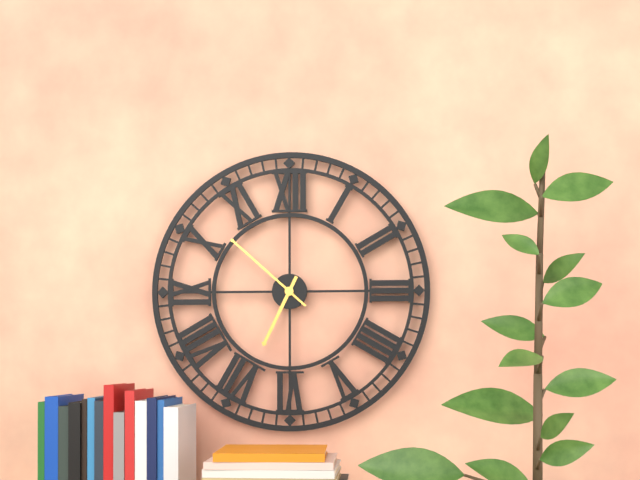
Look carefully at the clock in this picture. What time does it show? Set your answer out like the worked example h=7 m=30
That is h=6 m=52
